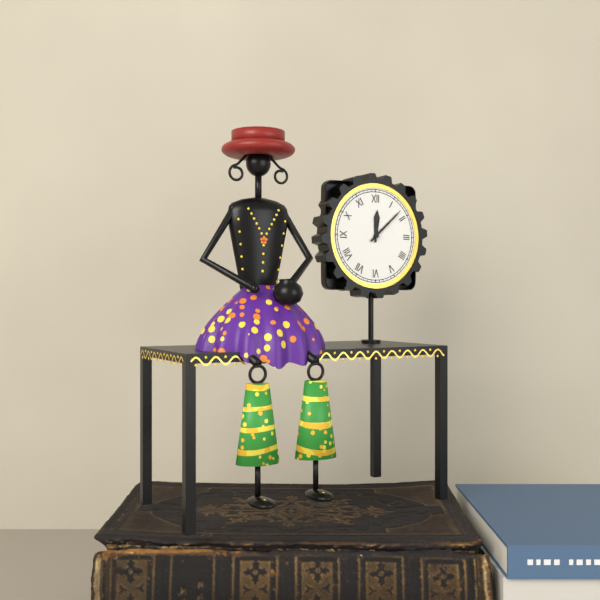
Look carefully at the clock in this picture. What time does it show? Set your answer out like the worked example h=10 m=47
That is h=12 m=8
